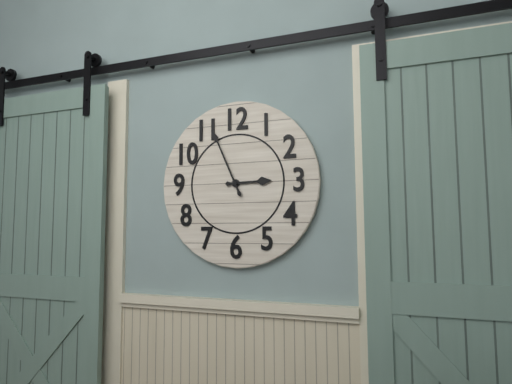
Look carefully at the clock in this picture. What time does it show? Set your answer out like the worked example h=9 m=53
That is h=2 m=56
